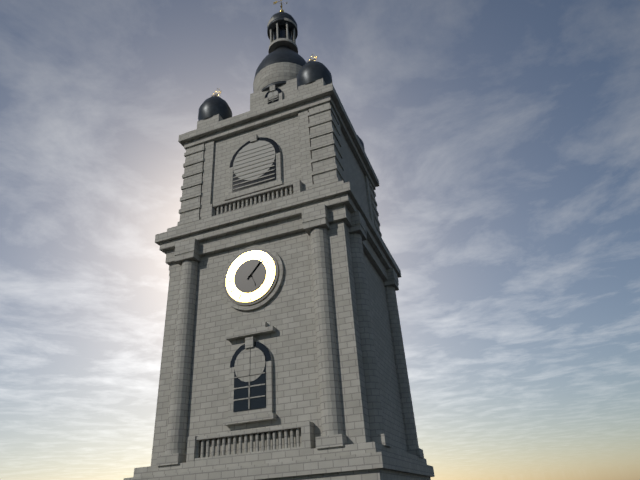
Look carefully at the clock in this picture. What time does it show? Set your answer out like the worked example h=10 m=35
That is h=5 m=7
